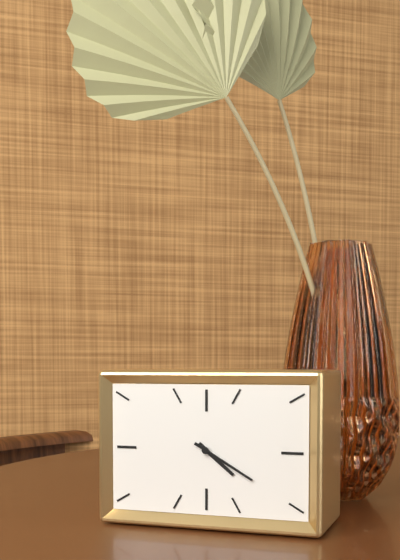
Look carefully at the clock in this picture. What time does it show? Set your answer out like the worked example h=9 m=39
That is h=4 m=20
